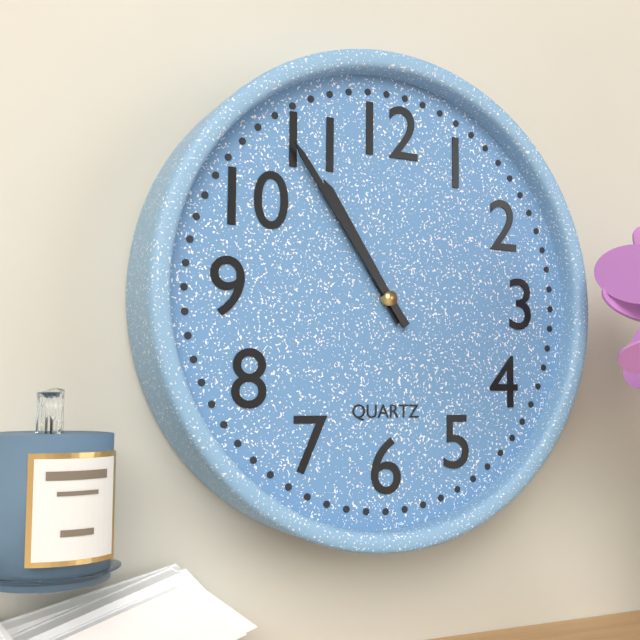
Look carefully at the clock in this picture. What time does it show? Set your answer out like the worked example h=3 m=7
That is h=10 m=54
